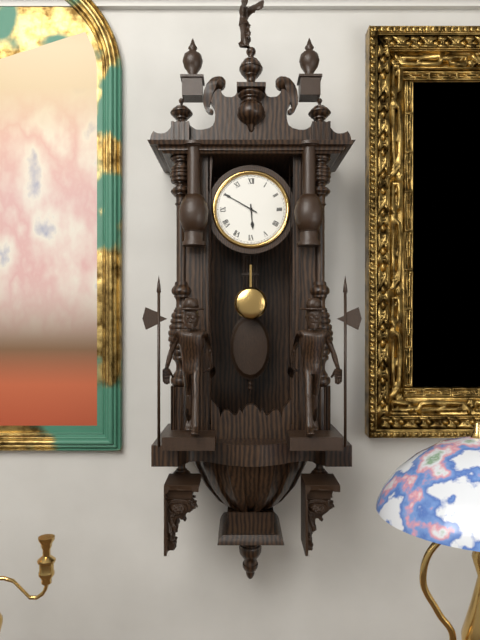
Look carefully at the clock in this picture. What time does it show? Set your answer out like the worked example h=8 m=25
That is h=5 m=50
